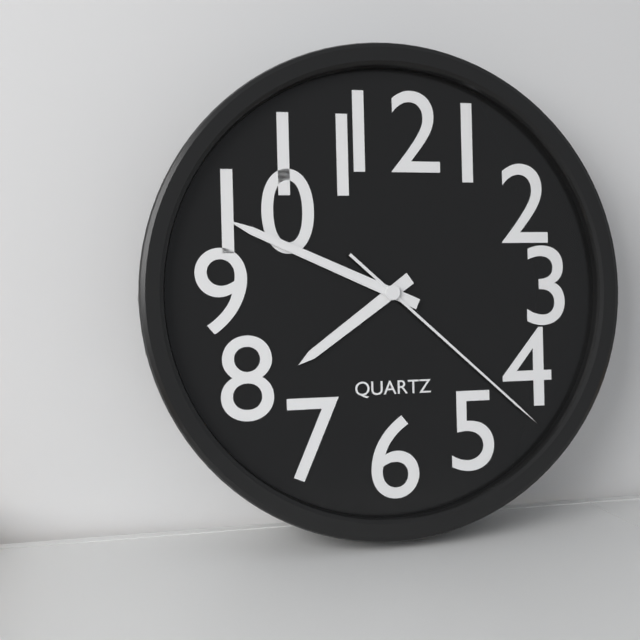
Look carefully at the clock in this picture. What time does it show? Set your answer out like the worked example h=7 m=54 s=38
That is h=7 m=49 s=22
